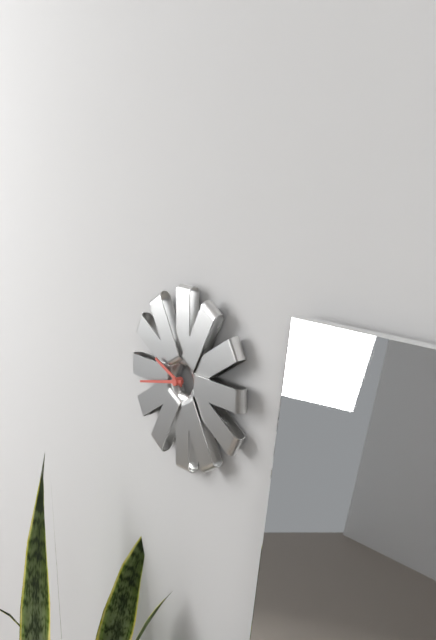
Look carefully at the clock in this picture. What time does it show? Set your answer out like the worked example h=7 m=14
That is h=9 m=43
